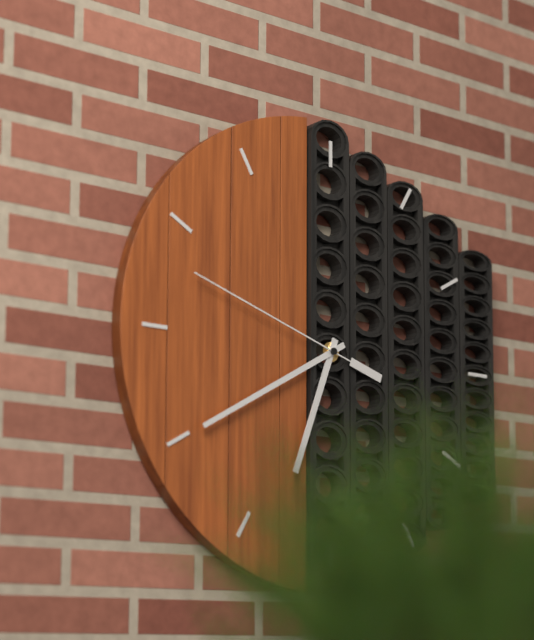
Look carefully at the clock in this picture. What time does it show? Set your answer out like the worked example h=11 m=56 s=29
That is h=6 m=40 s=48
